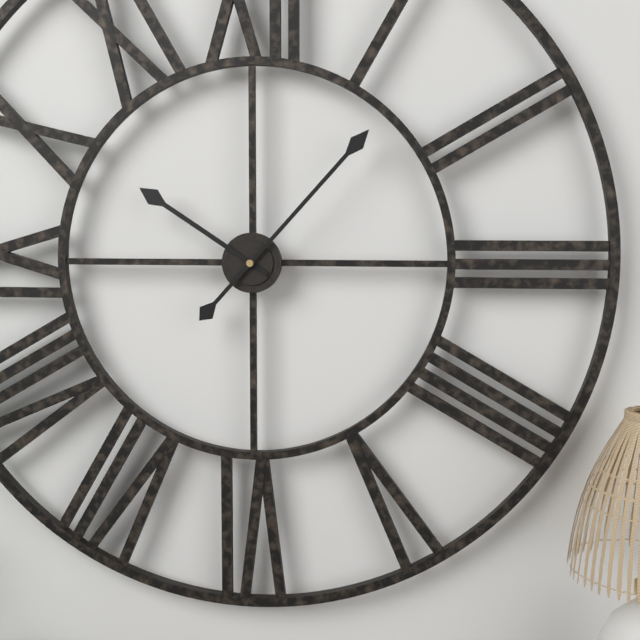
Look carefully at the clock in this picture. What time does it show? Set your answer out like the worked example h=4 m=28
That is h=10 m=7
